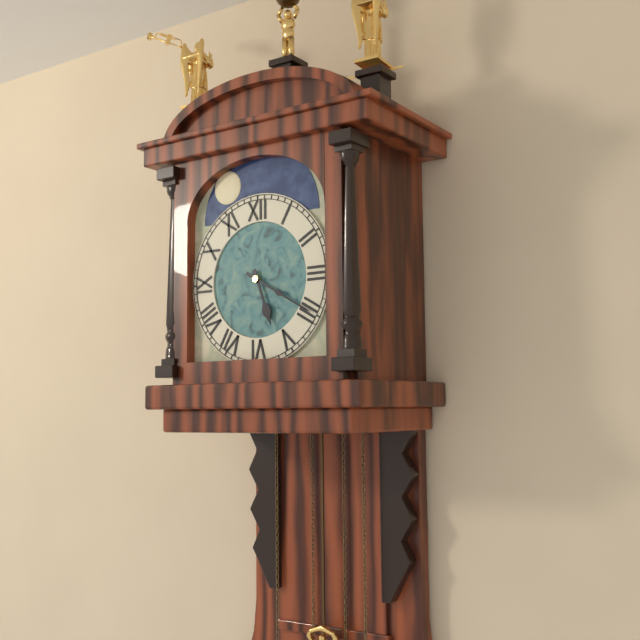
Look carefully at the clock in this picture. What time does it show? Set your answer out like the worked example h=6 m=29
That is h=5 m=20
